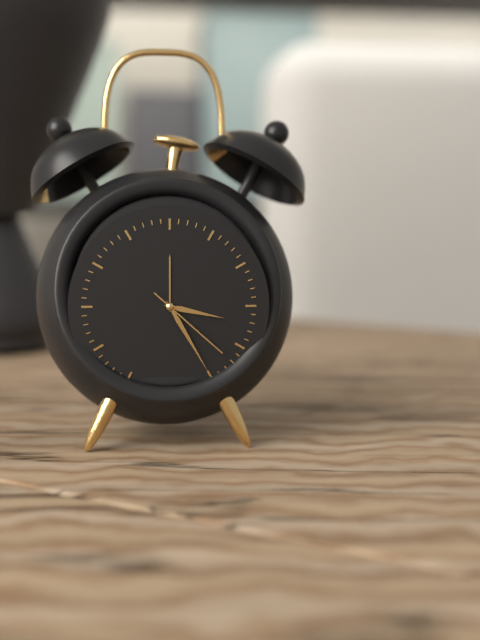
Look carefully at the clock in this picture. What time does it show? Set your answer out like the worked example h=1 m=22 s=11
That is h=3 m=25 s=22
